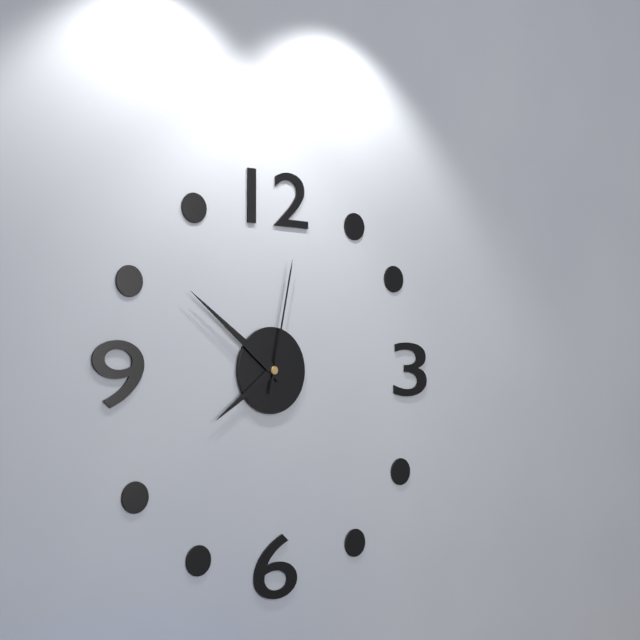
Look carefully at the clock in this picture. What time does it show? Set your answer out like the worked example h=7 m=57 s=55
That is h=7 m=51 s=2
